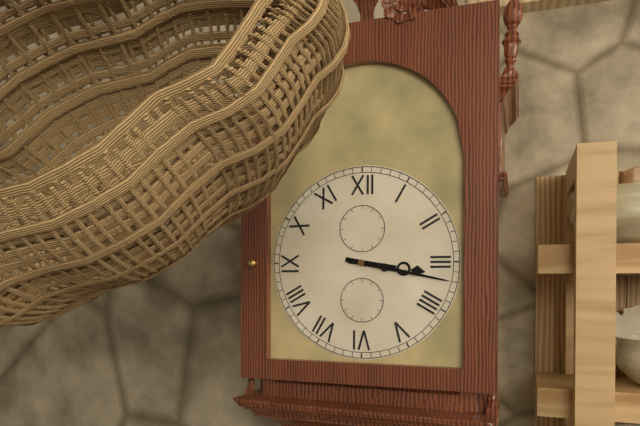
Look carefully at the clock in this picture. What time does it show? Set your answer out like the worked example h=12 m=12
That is h=3 m=17
